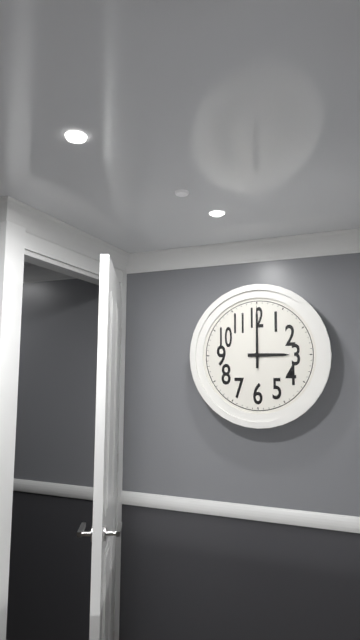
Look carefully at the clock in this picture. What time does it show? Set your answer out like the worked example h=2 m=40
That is h=3 m=0
